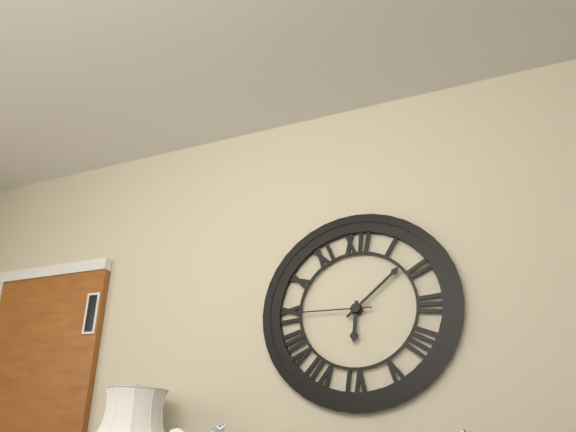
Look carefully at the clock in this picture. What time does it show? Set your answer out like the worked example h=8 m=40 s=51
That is h=6 m=8 s=45
